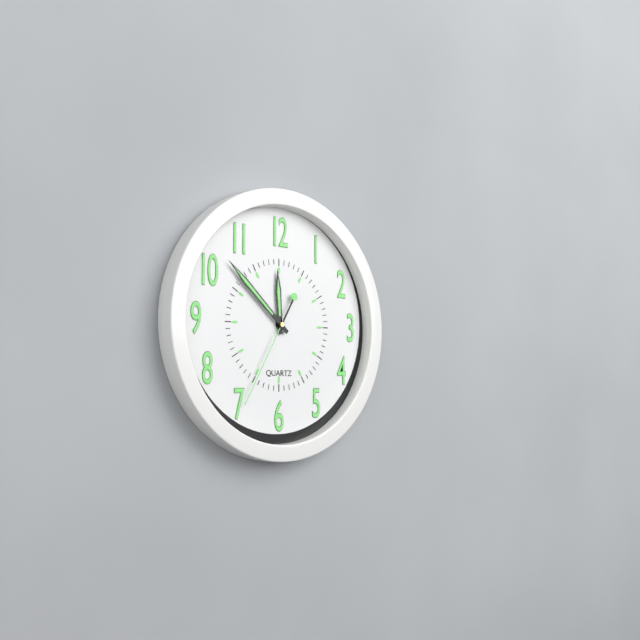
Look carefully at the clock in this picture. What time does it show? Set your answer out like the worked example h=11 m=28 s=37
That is h=11 m=52 s=35
